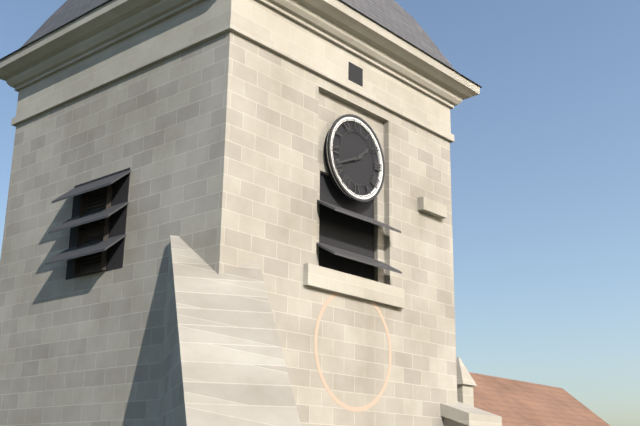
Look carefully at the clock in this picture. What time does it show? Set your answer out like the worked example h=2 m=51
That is h=1 m=41
